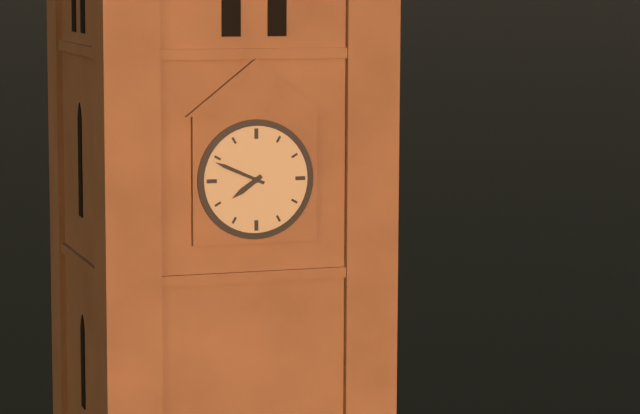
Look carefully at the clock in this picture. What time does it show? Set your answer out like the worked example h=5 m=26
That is h=7 m=49
